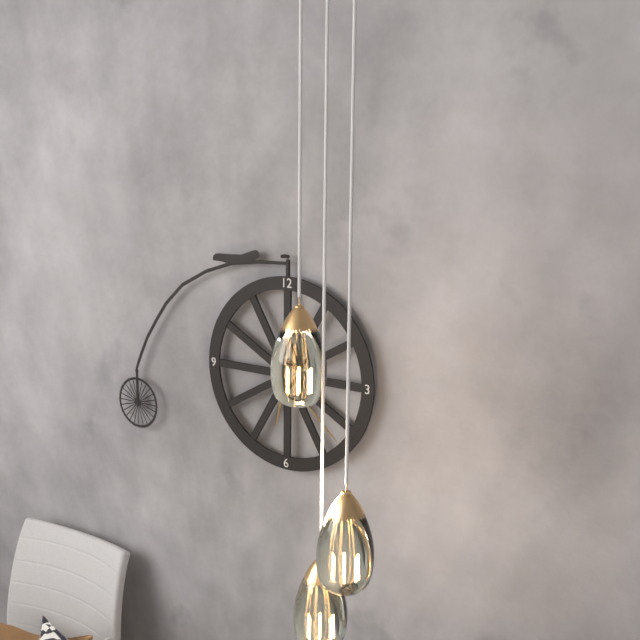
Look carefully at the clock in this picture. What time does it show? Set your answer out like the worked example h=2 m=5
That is h=6 m=22
